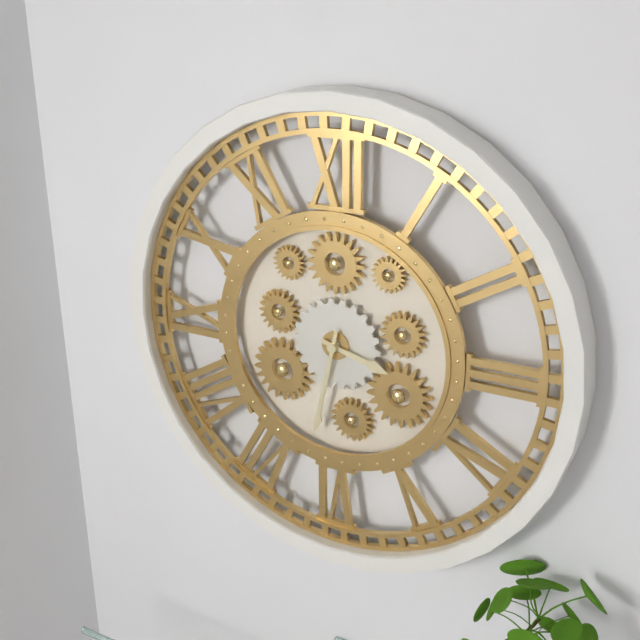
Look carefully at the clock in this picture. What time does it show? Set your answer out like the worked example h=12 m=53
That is h=3 m=32
